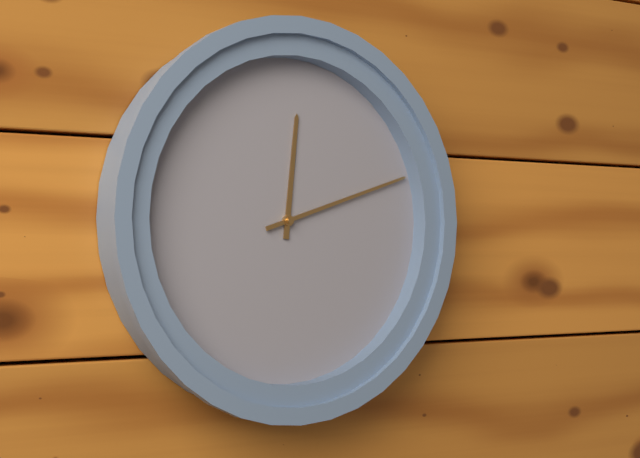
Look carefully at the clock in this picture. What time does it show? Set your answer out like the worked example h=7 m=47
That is h=12 m=12
